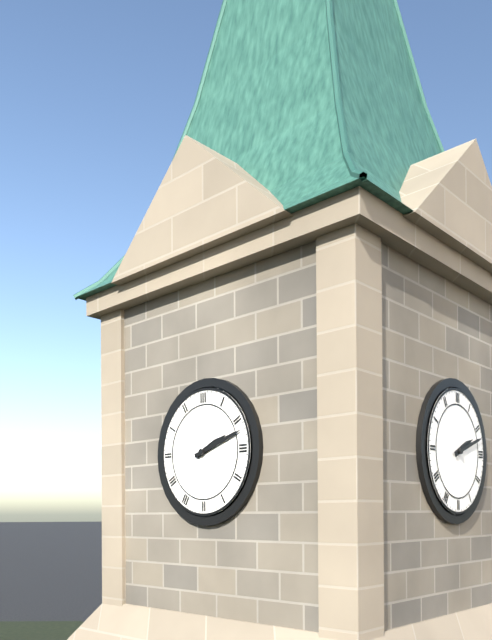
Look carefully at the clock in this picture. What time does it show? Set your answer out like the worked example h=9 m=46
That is h=2 m=12
